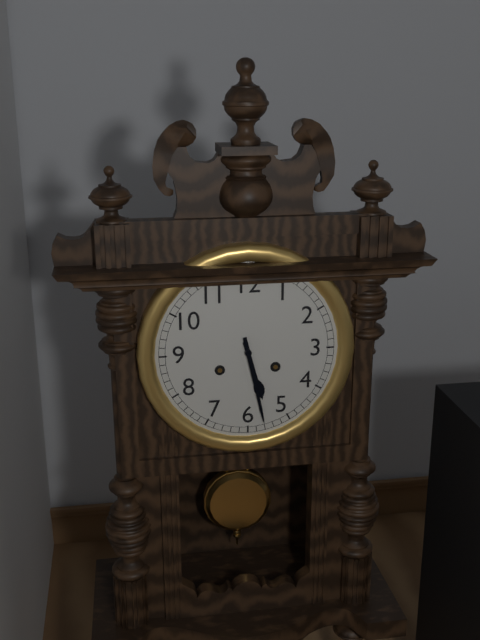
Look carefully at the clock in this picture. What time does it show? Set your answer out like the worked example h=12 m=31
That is h=5 m=28
